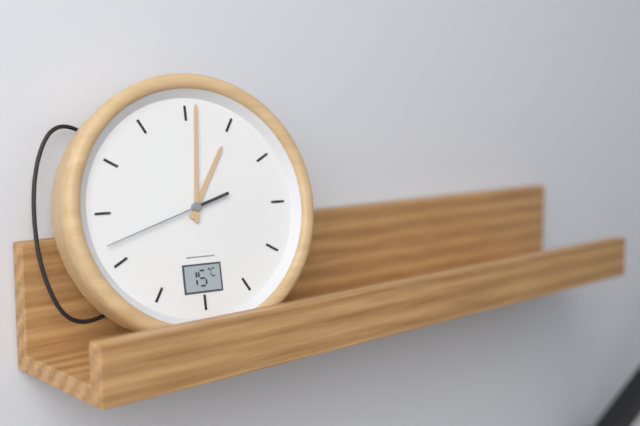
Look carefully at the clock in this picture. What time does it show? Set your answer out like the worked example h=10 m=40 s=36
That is h=1 m=1 s=42
